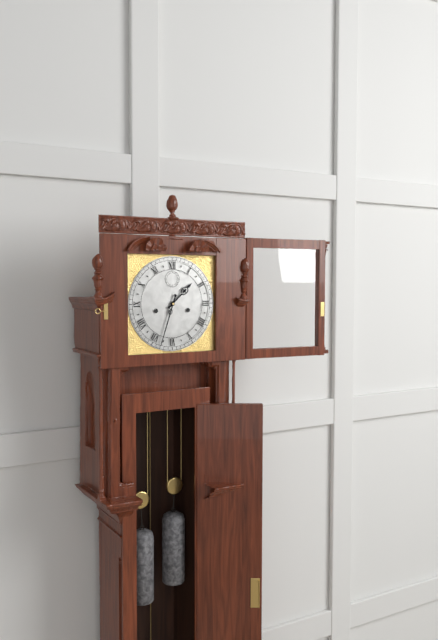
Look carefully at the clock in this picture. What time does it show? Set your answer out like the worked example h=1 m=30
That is h=1 m=33
